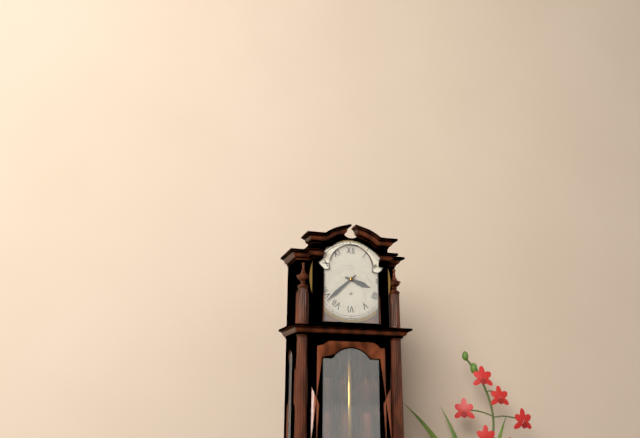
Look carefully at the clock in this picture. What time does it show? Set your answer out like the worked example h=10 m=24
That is h=3 m=38
